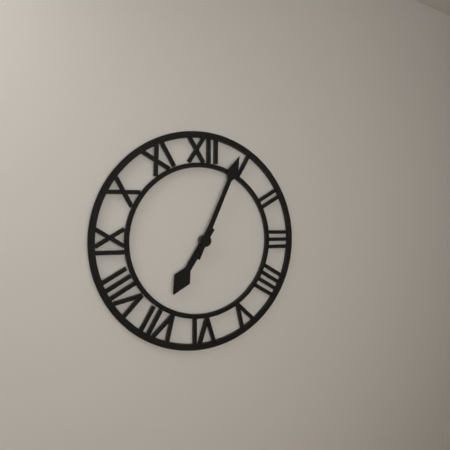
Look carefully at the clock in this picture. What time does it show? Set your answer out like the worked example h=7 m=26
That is h=7 m=4
